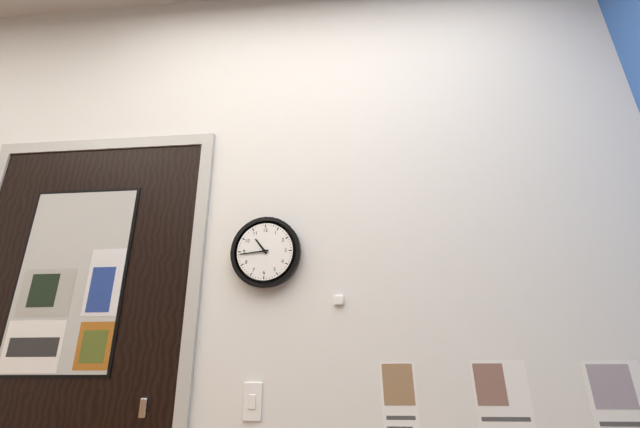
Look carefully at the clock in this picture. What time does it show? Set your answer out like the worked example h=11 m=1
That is h=10 m=44
